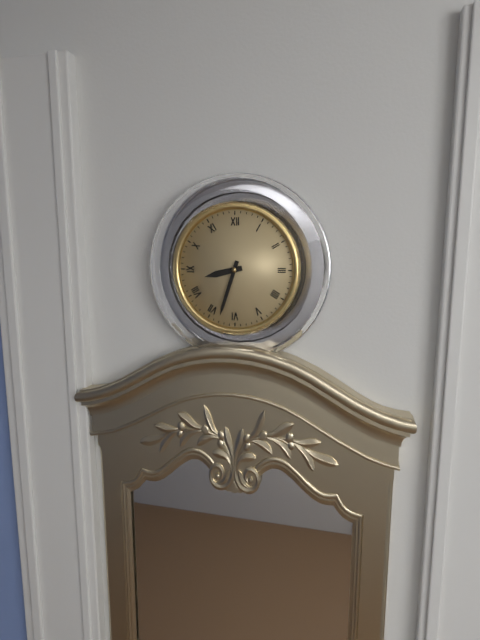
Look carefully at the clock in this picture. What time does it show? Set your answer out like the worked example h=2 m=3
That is h=8 m=33
